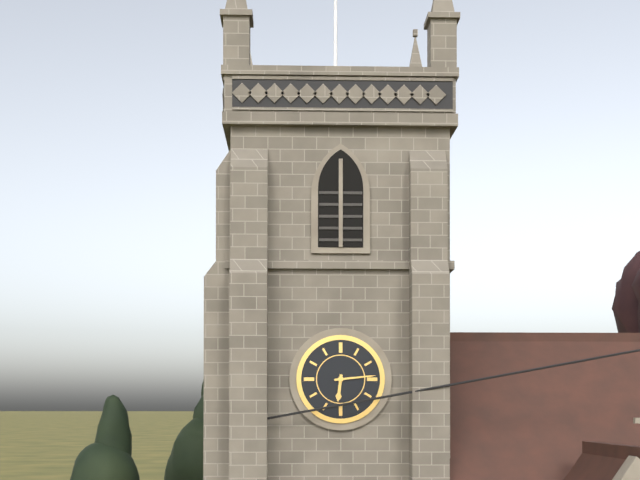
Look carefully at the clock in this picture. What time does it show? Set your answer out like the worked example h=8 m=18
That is h=6 m=14
